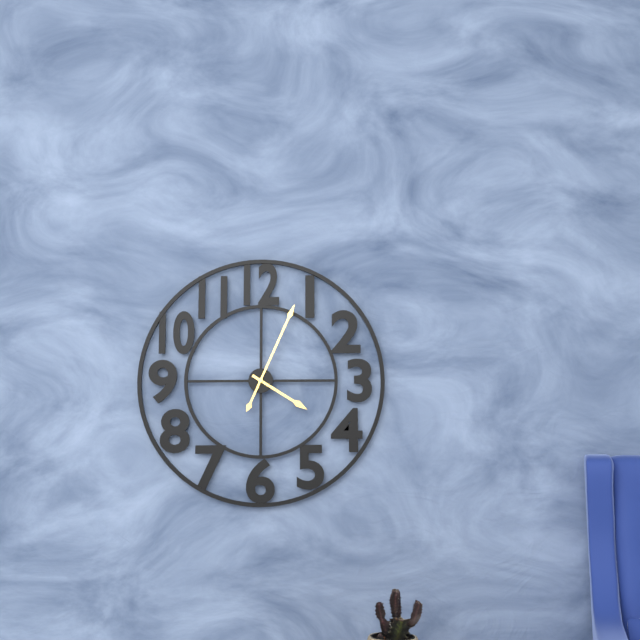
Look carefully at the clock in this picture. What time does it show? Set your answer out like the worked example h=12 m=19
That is h=4 m=4
